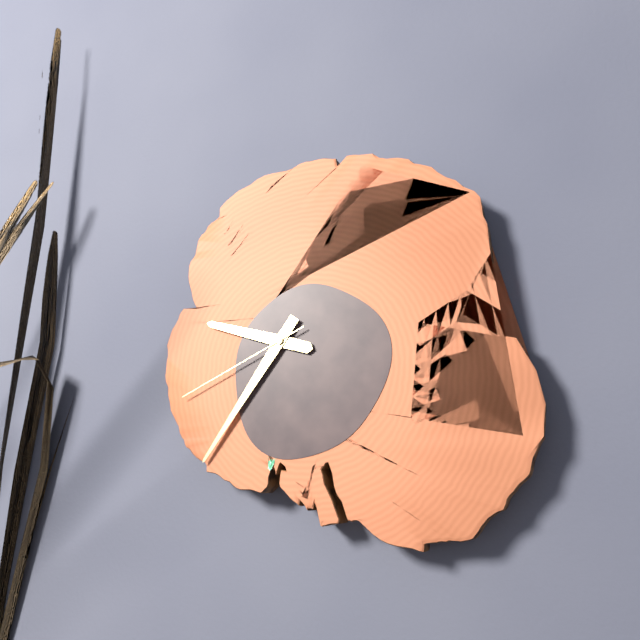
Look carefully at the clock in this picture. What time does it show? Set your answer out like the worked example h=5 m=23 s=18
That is h=9 m=36 s=41
